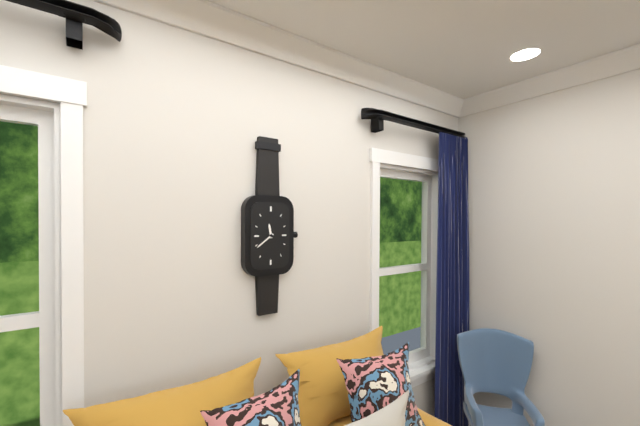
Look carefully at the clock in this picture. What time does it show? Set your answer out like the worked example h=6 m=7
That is h=11 m=39
